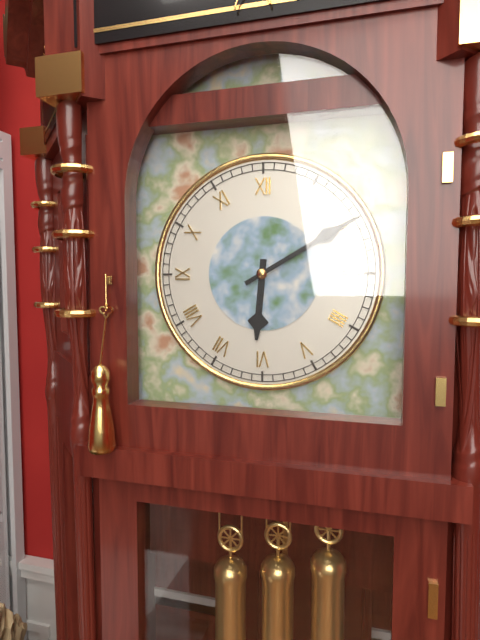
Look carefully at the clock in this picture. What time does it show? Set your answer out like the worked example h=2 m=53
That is h=6 m=10
